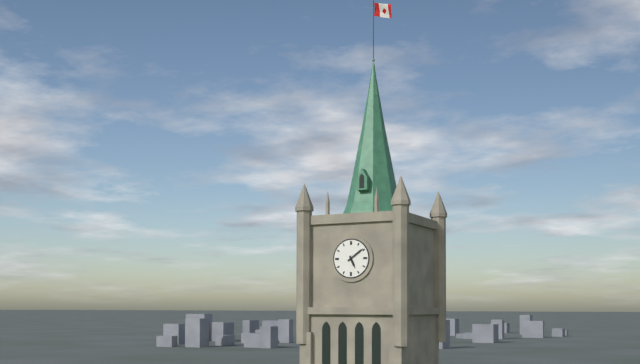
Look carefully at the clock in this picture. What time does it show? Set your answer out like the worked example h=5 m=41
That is h=5 m=9
